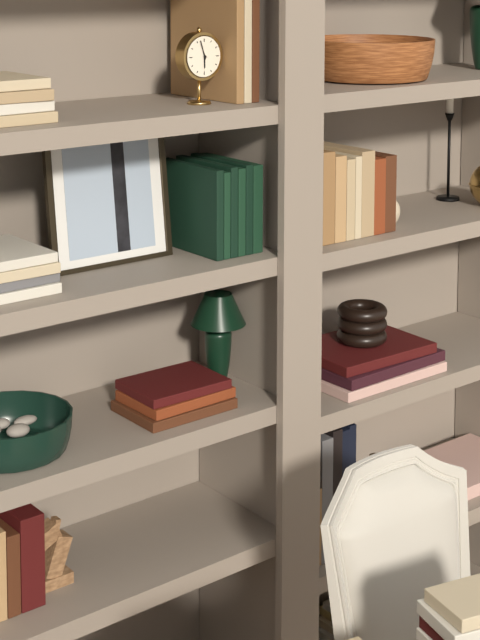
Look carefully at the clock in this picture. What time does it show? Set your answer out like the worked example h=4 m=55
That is h=5 m=57
